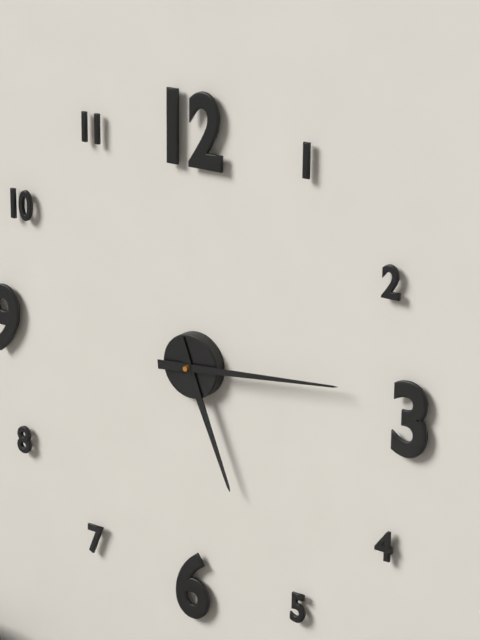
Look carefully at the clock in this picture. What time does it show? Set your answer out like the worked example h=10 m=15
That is h=5 m=14
